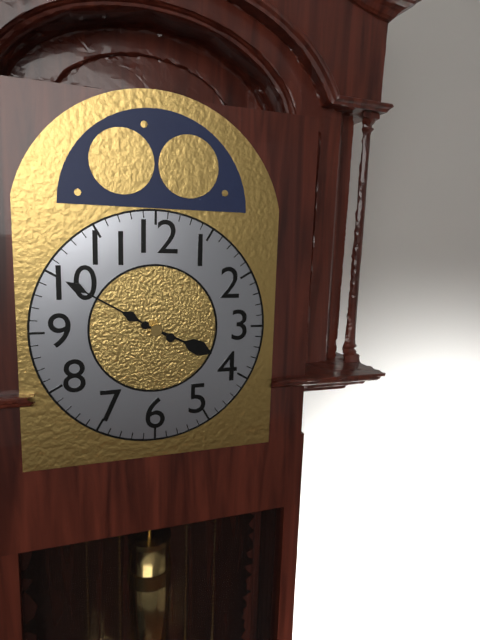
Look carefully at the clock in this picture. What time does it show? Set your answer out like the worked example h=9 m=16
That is h=3 m=50
